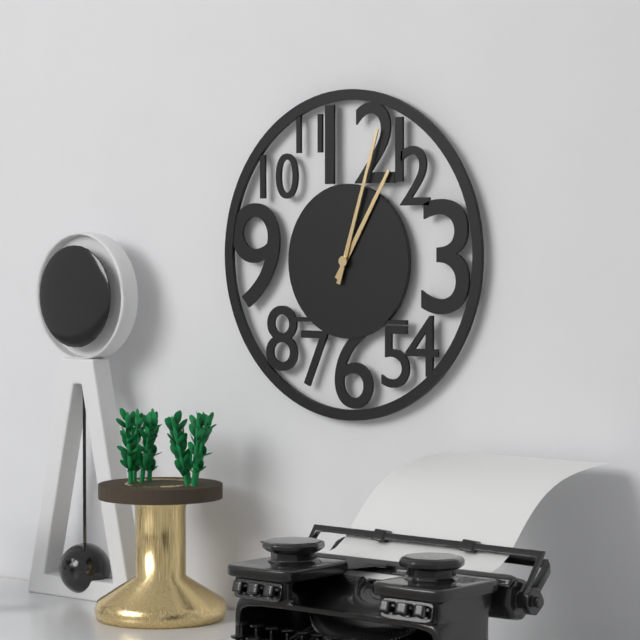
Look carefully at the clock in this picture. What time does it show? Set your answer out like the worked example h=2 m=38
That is h=1 m=3
